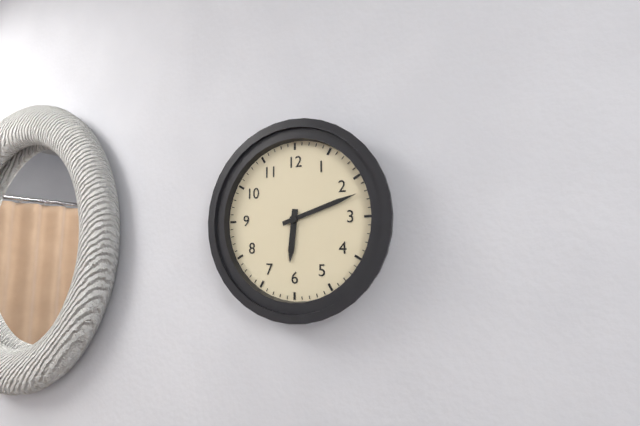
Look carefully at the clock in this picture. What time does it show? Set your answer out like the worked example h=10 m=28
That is h=6 m=12
